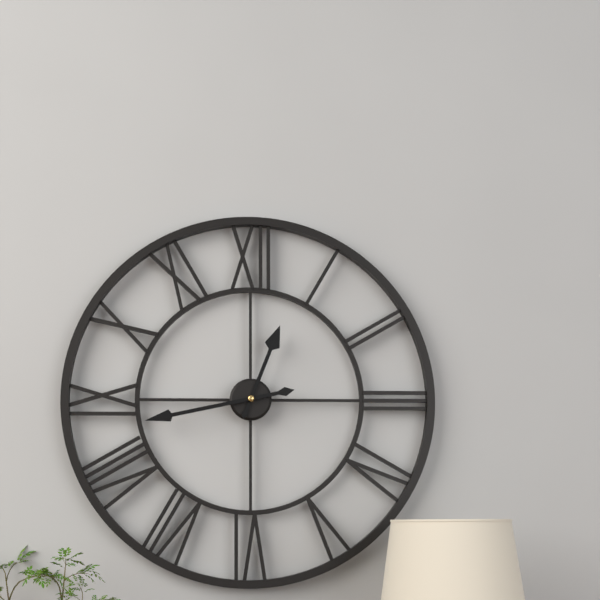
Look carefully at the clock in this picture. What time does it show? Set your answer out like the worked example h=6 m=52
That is h=12 m=43
